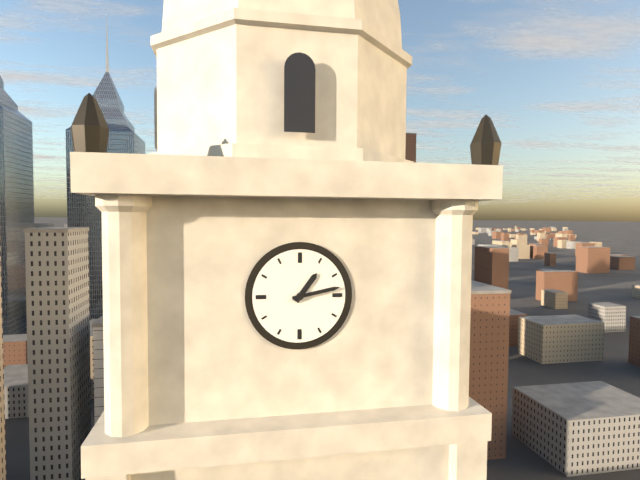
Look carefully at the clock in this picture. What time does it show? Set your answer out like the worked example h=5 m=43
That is h=1 m=13
